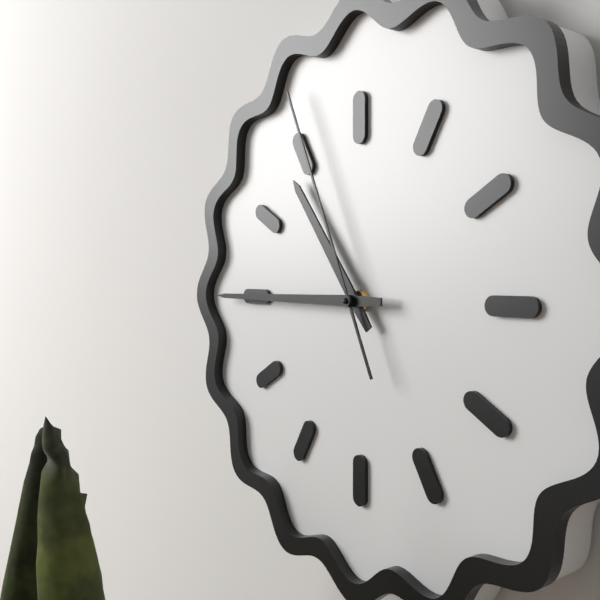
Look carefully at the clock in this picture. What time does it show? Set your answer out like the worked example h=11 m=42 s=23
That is h=10 m=45 s=56
